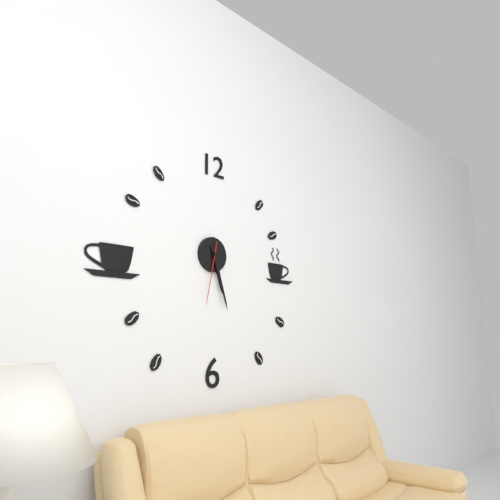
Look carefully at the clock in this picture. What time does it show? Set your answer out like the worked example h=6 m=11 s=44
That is h=5 m=27 s=32
